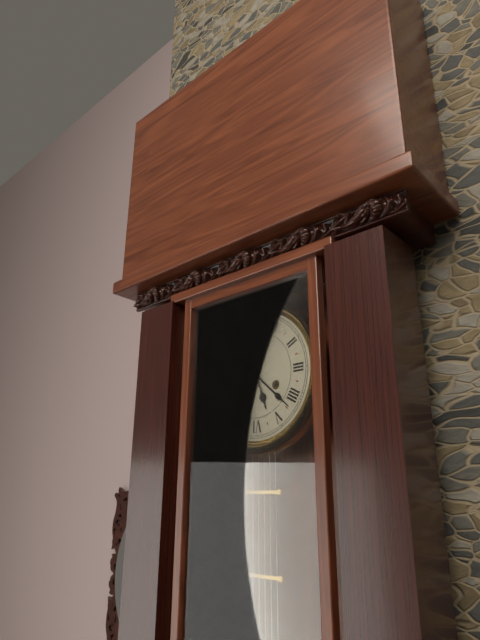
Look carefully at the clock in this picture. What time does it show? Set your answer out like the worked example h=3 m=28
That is h=5 m=22
